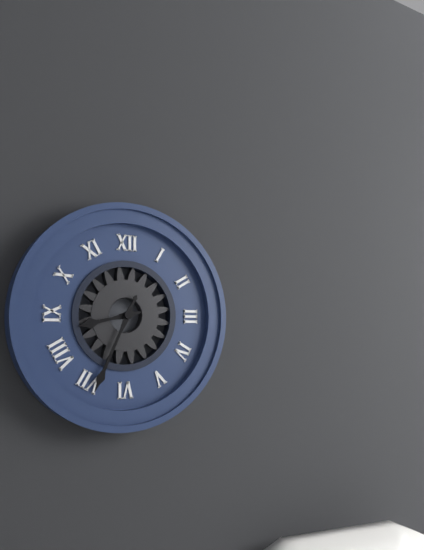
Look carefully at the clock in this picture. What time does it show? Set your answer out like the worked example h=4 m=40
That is h=8 m=34
